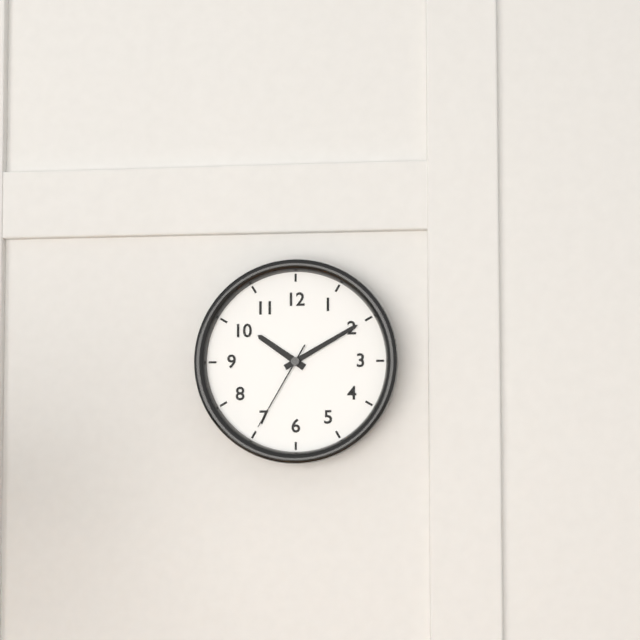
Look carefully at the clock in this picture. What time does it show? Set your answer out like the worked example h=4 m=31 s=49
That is h=10 m=10 s=35
